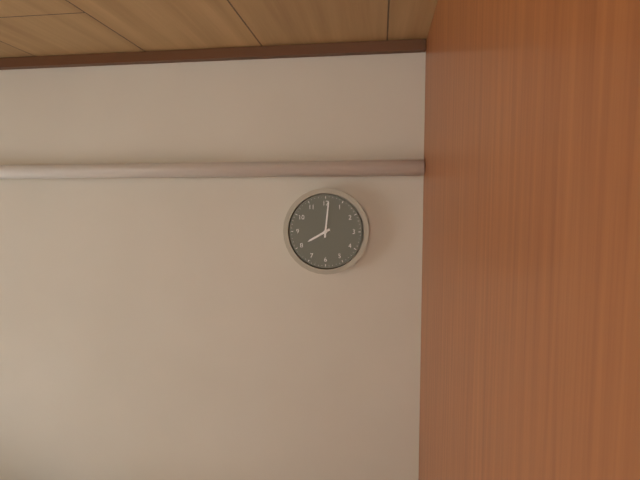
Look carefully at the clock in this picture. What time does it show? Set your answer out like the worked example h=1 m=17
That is h=8 m=1
